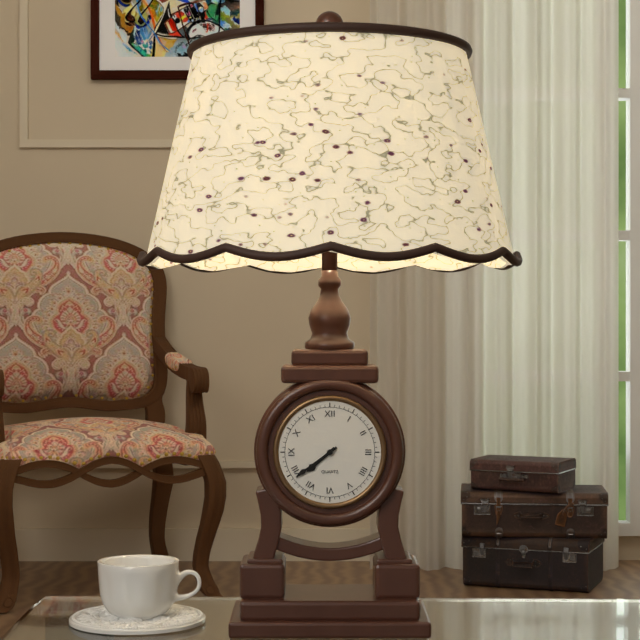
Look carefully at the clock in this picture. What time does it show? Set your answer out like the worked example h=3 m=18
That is h=7 m=39
